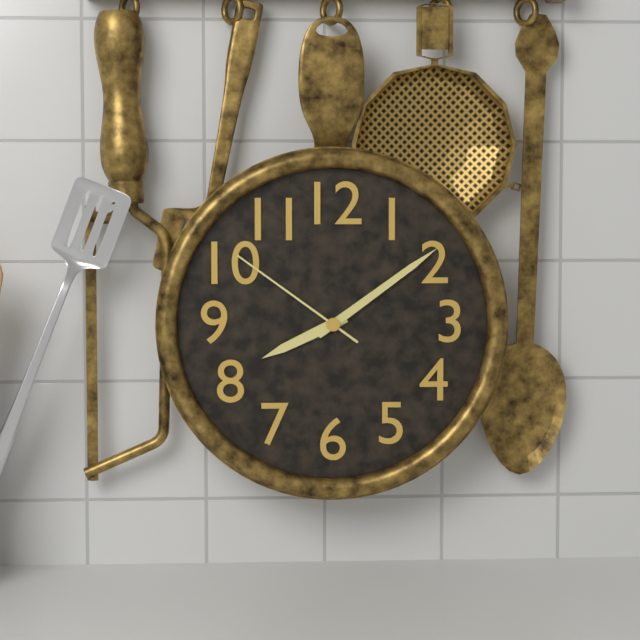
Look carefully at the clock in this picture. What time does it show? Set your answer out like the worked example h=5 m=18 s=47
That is h=8 m=9 s=51
